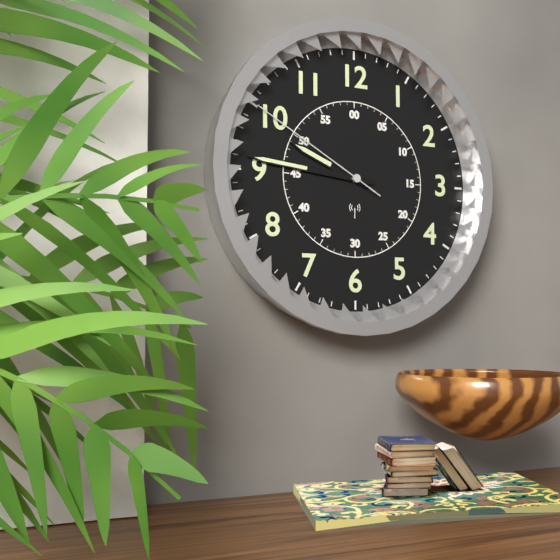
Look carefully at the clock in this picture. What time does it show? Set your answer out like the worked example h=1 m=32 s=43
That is h=9 m=46 s=50
